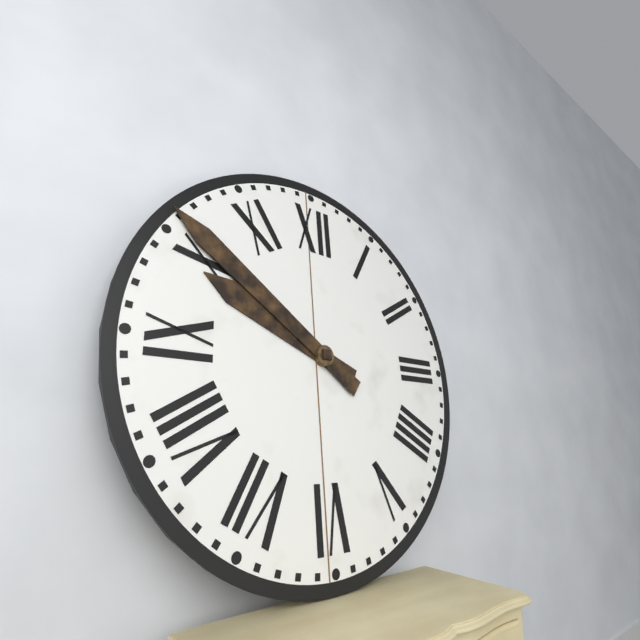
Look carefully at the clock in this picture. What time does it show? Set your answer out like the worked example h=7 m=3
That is h=9 m=51
